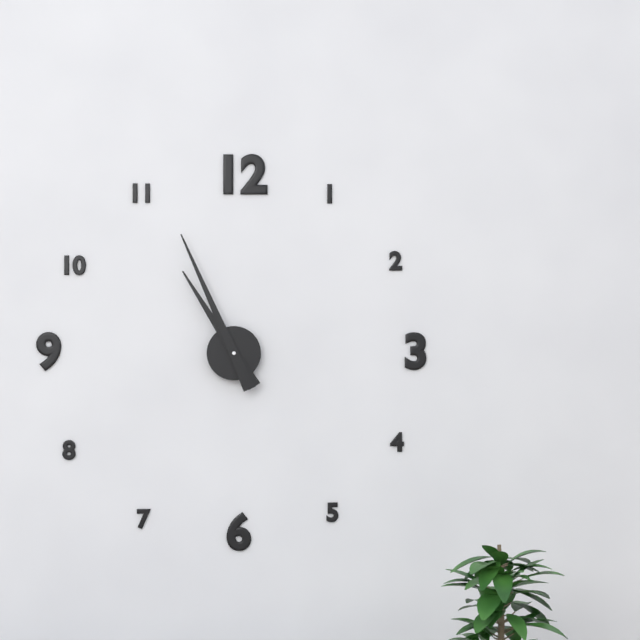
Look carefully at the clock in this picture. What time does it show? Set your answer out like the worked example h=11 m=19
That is h=10 m=56
